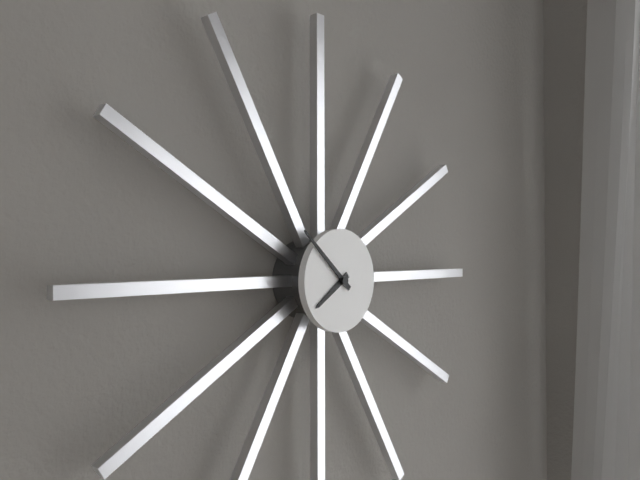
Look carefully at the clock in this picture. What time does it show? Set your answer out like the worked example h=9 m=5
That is h=7 m=52
